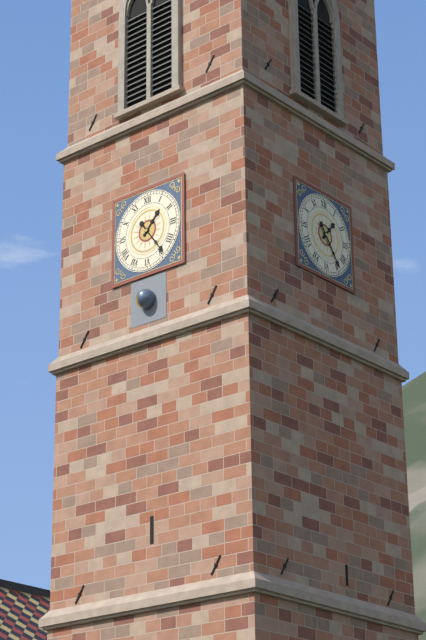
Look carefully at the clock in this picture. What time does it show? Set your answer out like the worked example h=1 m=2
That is h=1 m=24
